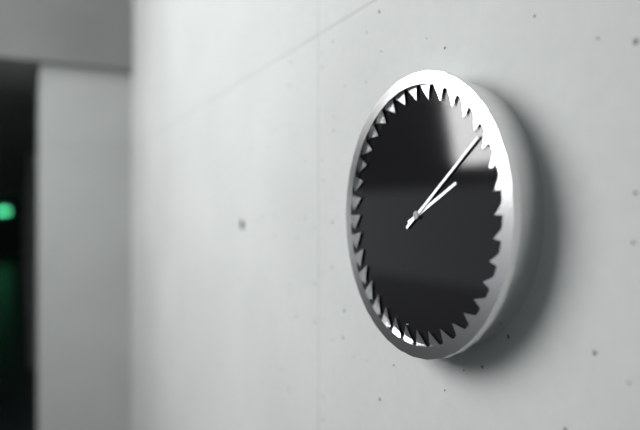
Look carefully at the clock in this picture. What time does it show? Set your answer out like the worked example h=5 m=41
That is h=2 m=9
